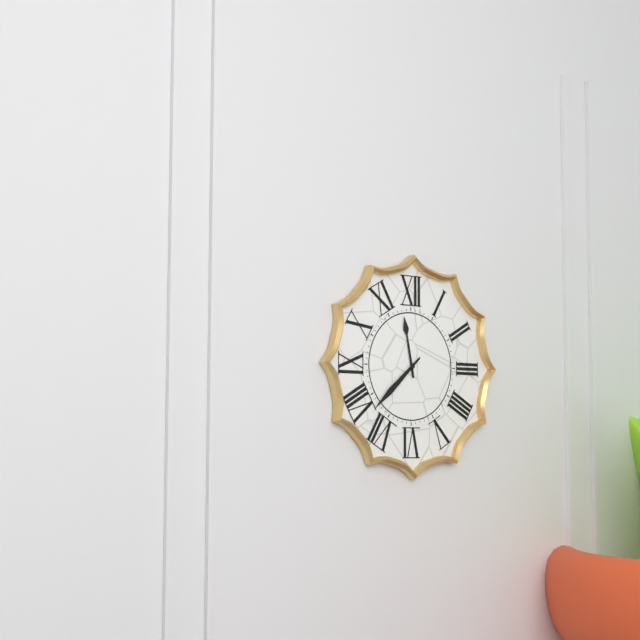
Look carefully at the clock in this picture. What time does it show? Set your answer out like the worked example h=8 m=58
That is h=11 m=38
